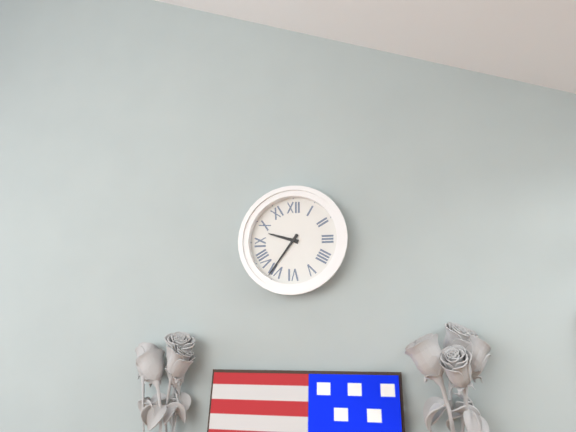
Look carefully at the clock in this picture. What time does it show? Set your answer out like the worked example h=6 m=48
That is h=9 m=36
